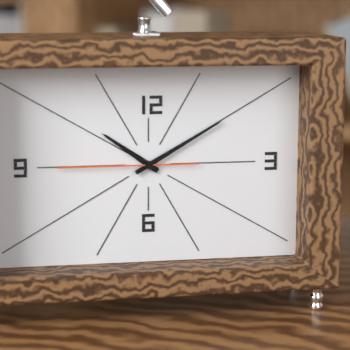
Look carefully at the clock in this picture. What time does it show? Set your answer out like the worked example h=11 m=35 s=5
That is h=10 m=10 s=45
